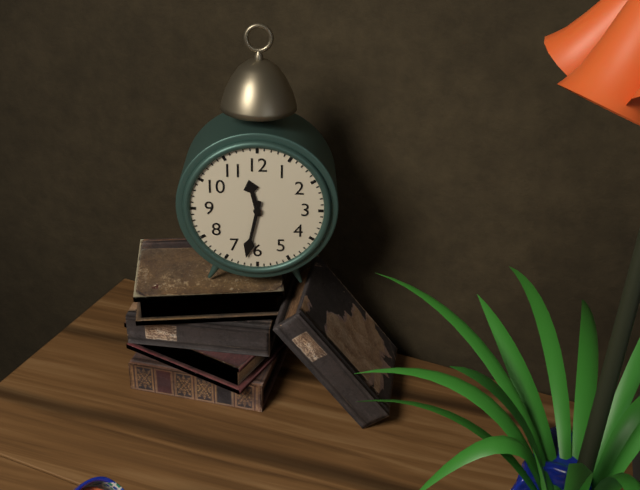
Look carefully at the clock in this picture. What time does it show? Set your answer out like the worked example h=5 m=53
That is h=11 m=32
